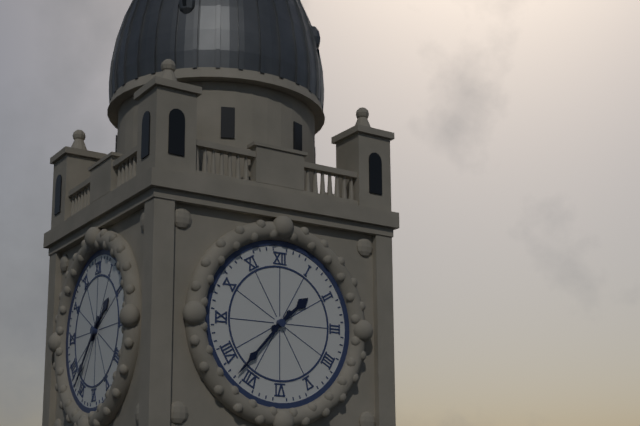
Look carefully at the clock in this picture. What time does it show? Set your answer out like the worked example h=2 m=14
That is h=1 m=37
